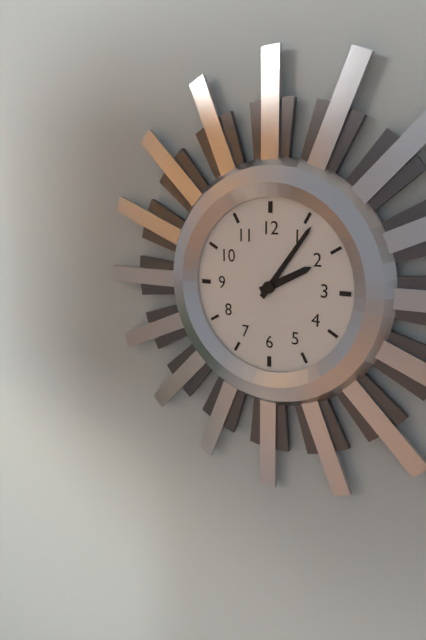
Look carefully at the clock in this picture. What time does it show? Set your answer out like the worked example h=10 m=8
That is h=2 m=6
